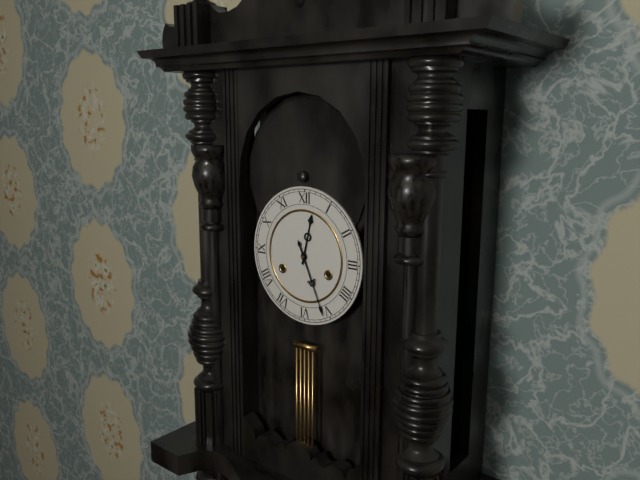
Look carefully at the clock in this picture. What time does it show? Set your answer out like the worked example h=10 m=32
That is h=12 m=26
